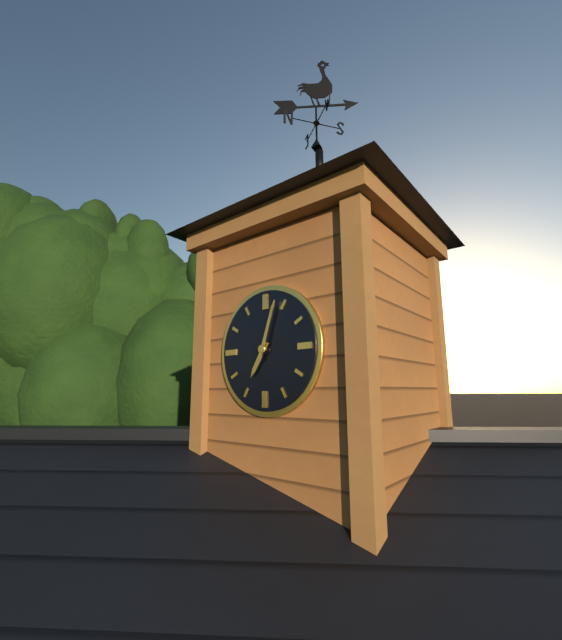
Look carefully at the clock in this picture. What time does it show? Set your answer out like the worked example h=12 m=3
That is h=7 m=3
